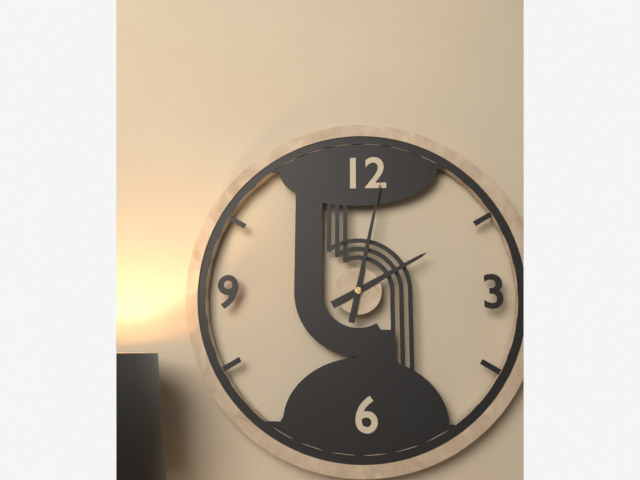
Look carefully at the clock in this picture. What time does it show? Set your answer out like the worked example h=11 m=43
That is h=2 m=2
